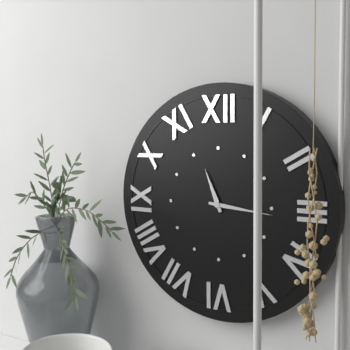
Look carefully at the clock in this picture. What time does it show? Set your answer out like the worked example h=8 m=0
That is h=11 m=16
